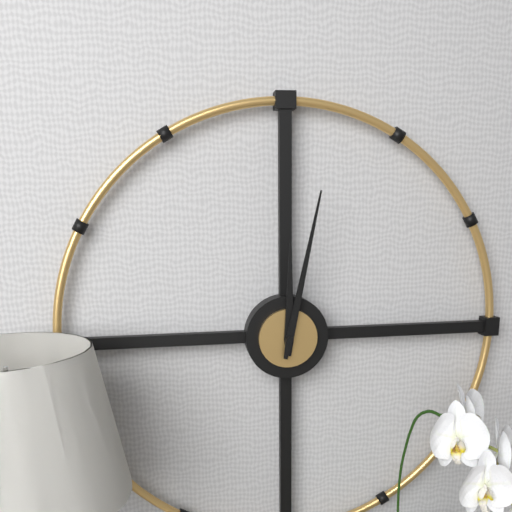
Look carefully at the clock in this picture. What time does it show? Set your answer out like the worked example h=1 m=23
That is h=12 m=2
